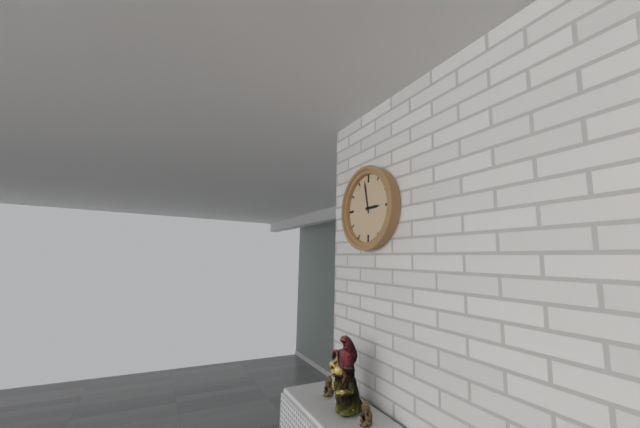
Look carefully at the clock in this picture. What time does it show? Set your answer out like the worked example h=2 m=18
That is h=2 m=58
